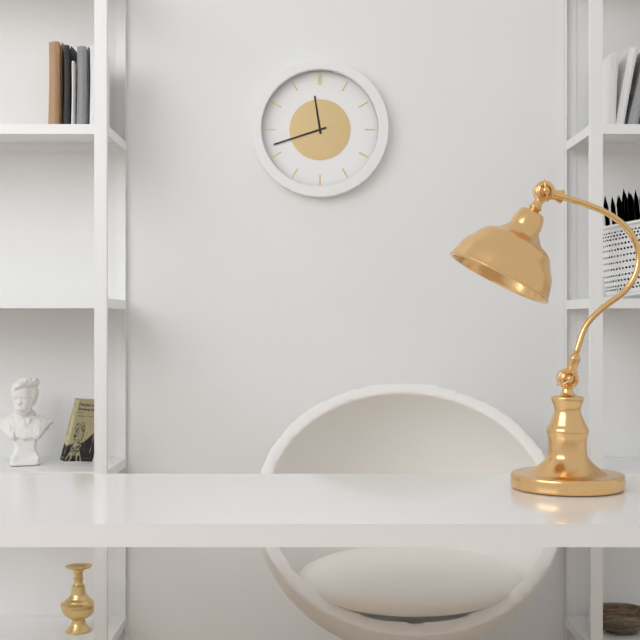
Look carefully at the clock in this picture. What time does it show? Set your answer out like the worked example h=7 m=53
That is h=11 m=42
